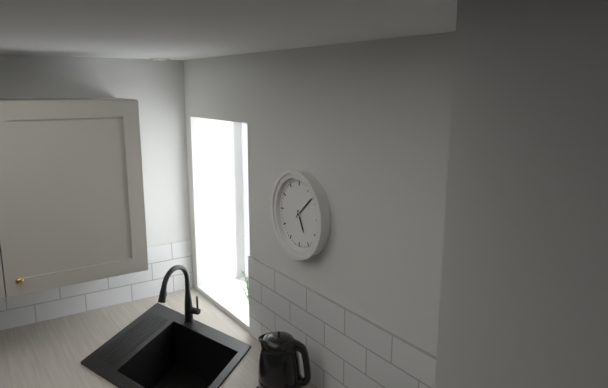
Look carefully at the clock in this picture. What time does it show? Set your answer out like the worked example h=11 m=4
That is h=5 m=8
